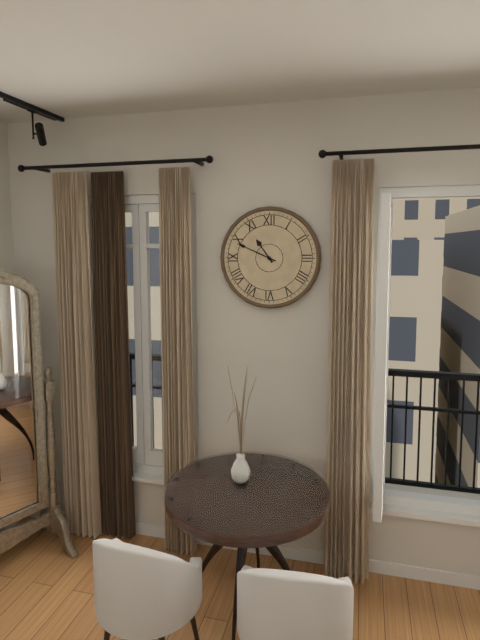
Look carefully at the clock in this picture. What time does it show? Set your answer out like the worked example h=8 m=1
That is h=10 m=49
